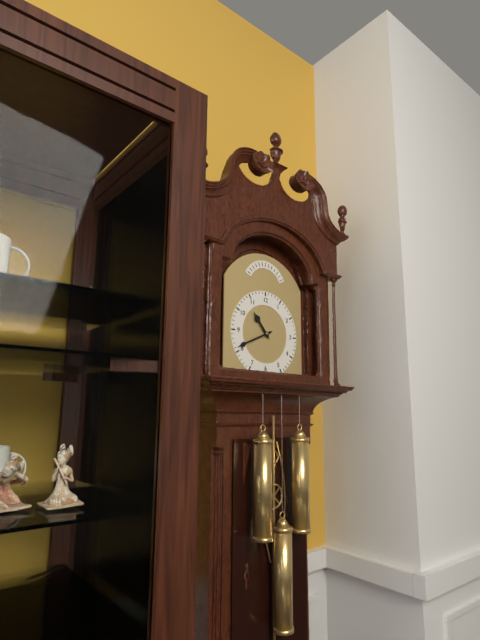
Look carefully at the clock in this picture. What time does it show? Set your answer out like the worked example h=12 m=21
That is h=10 m=41
